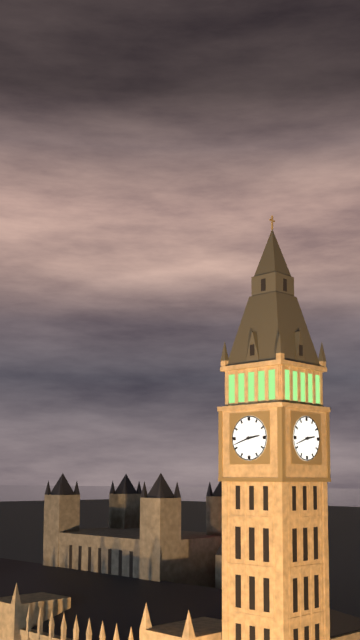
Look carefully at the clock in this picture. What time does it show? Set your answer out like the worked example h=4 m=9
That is h=2 m=42
